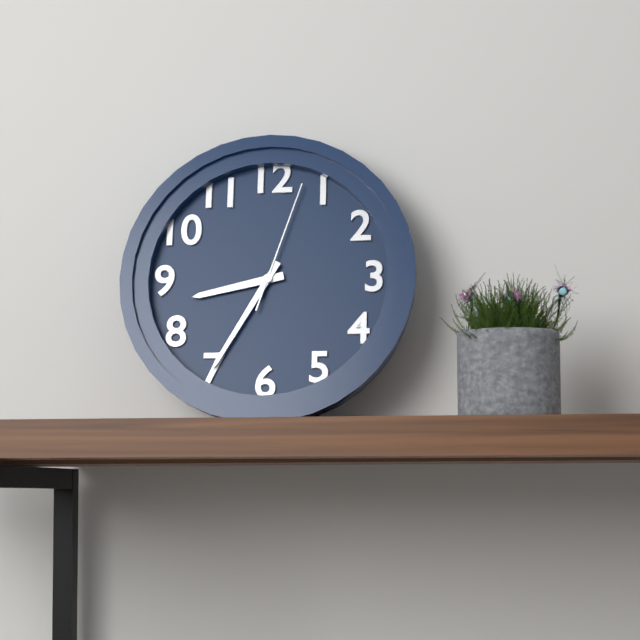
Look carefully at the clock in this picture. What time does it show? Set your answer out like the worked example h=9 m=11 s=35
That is h=8 m=35 s=3
